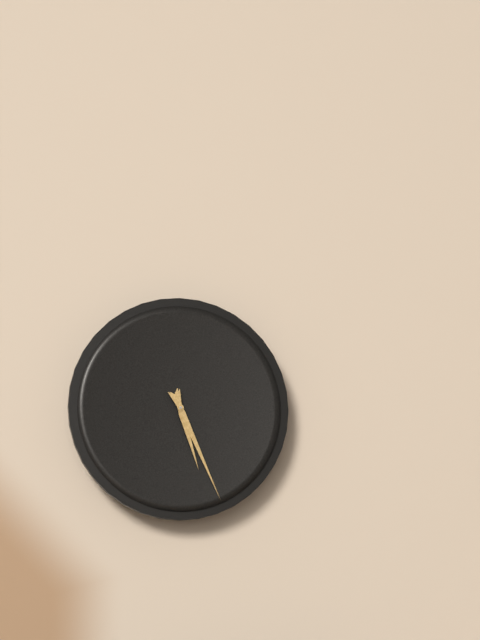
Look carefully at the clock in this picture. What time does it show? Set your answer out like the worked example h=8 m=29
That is h=5 m=26
